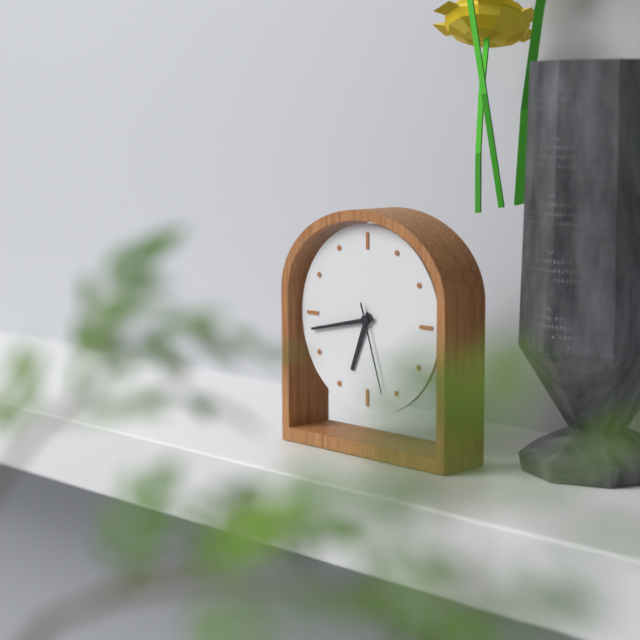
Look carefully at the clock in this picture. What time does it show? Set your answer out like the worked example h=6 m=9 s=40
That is h=6 m=43 s=27
